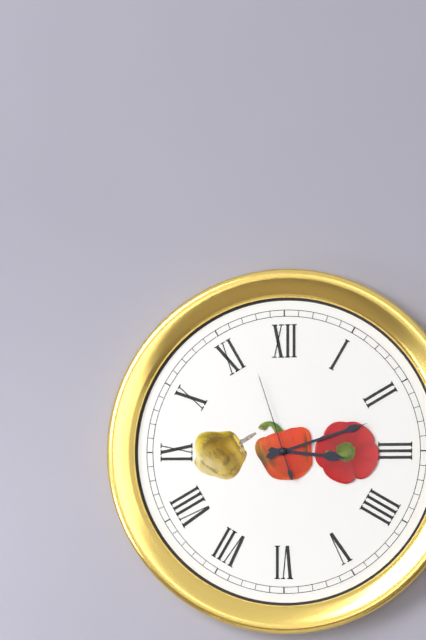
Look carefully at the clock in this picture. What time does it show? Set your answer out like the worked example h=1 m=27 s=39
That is h=3 m=12 s=57
